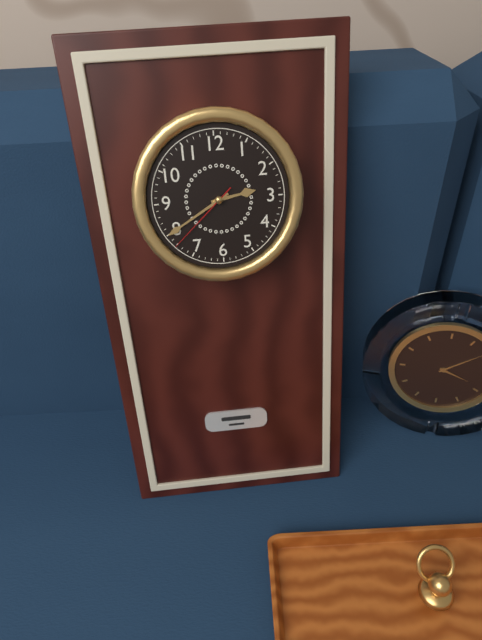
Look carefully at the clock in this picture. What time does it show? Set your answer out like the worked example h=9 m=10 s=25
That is h=2 m=40 s=38
